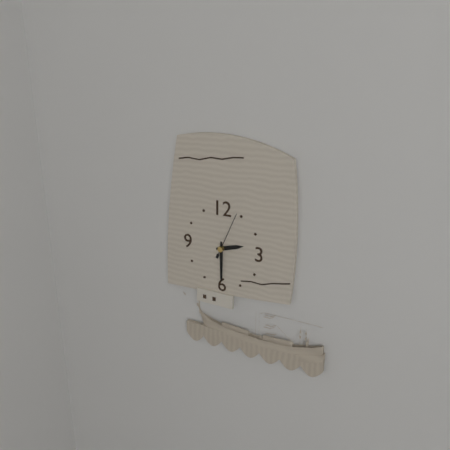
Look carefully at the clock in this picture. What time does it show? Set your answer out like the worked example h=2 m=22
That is h=2 m=30
